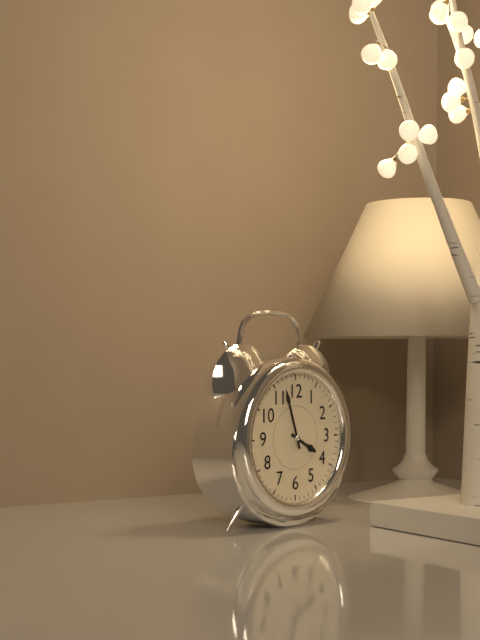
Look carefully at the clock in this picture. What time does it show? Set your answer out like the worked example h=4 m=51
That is h=3 m=57
